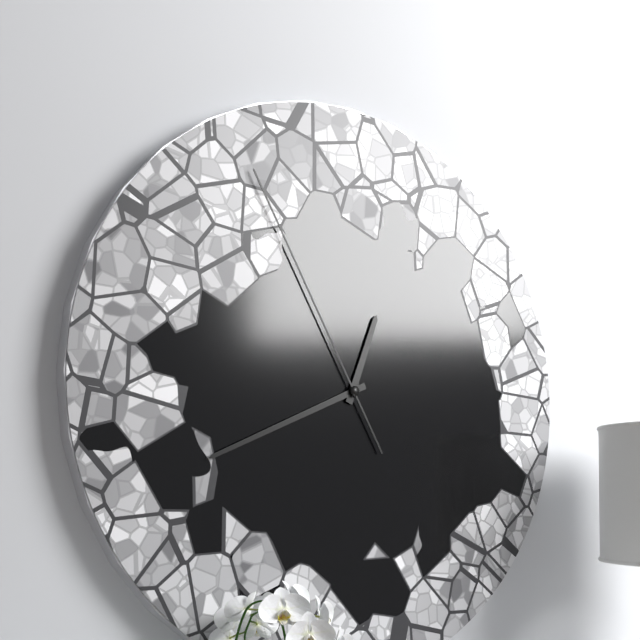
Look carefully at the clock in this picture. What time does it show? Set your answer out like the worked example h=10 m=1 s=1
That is h=12 m=41 s=55
